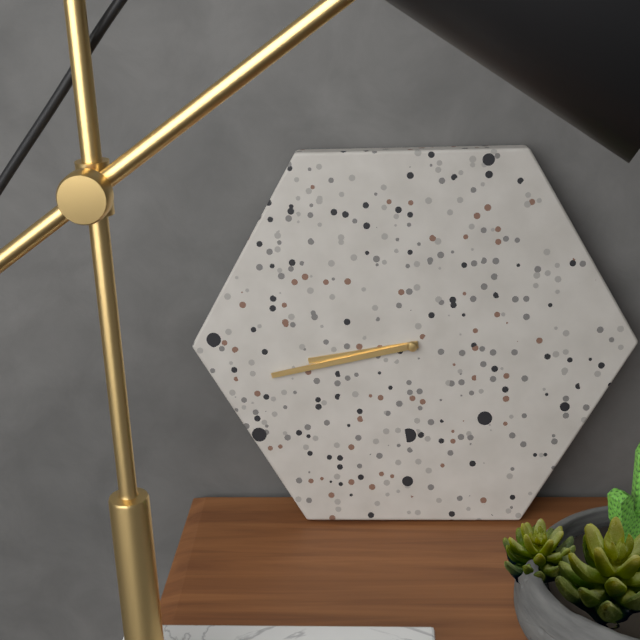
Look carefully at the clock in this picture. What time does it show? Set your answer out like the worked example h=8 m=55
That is h=8 m=43
